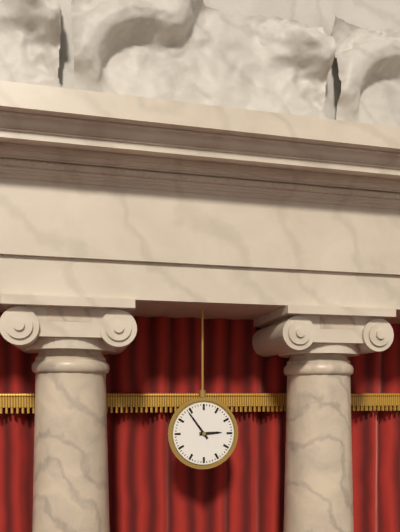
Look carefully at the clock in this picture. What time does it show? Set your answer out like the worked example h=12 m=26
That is h=2 m=54
